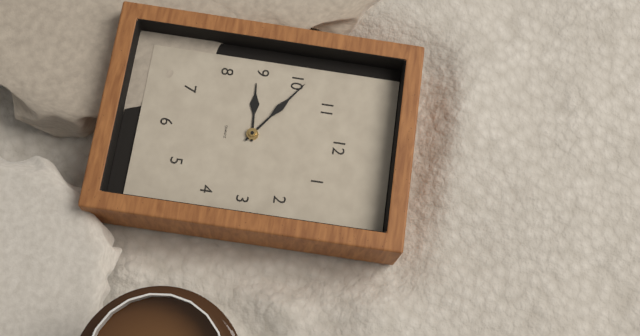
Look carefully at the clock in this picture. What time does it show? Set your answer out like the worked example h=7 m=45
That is h=8 m=51
